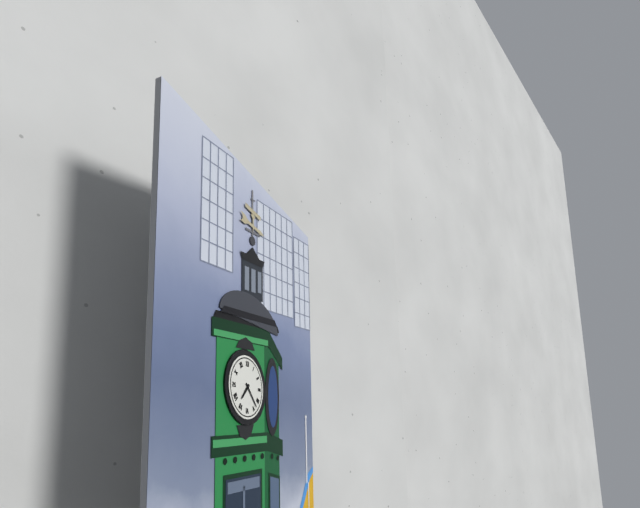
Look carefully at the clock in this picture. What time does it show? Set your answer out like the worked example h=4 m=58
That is h=7 m=23
